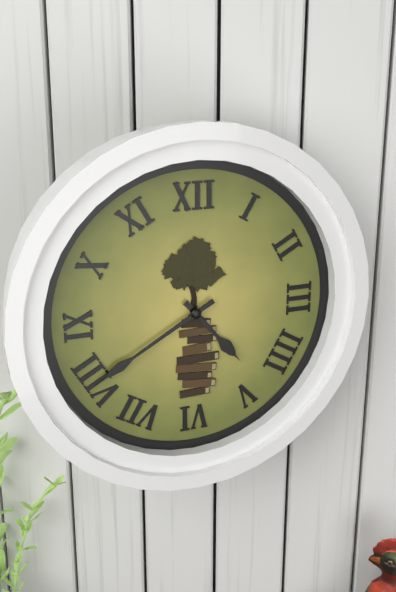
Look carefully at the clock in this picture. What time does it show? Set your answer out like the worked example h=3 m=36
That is h=4 m=40
